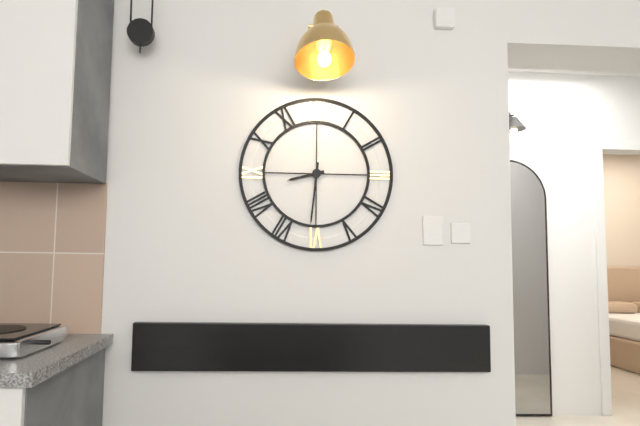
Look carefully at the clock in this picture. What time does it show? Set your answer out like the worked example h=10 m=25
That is h=8 m=31
